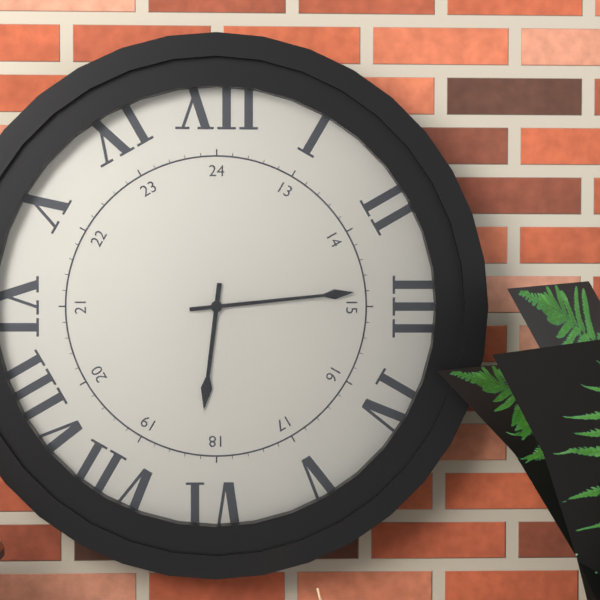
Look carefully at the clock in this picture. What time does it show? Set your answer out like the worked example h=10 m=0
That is h=6 m=14
